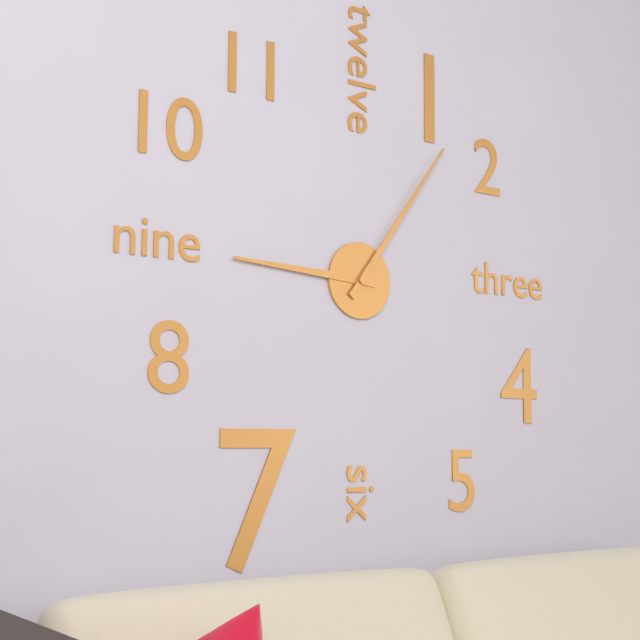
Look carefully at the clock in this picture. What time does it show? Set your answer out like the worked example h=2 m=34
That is h=9 m=6
